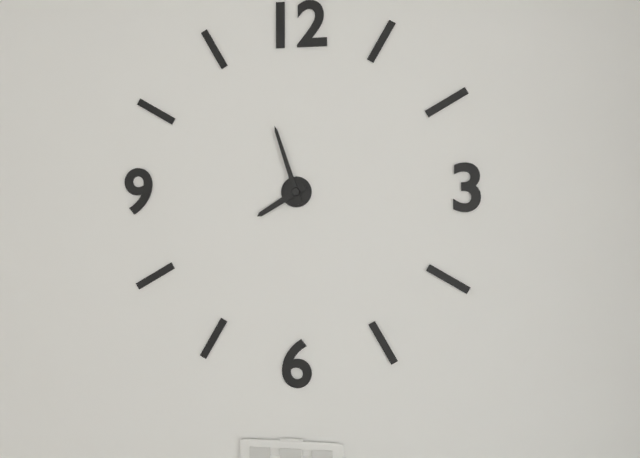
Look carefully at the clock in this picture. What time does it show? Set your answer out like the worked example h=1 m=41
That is h=7 m=57
